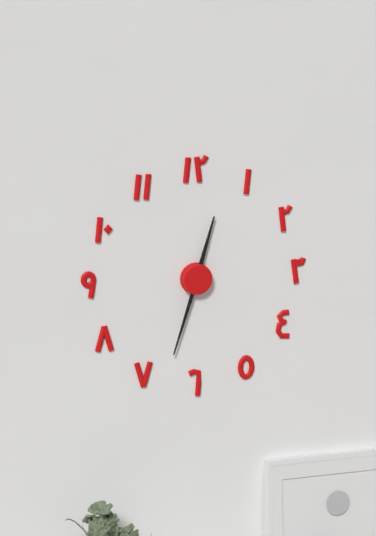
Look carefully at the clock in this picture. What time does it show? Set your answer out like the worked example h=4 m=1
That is h=12 m=33
